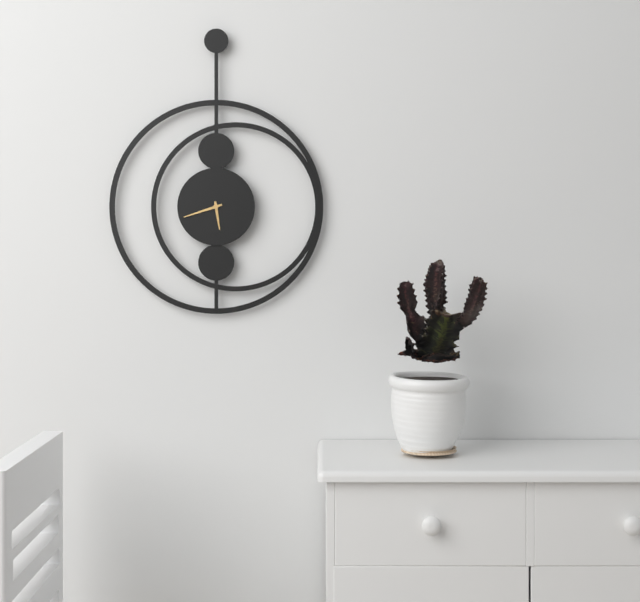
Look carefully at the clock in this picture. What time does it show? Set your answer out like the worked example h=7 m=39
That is h=5 m=42
